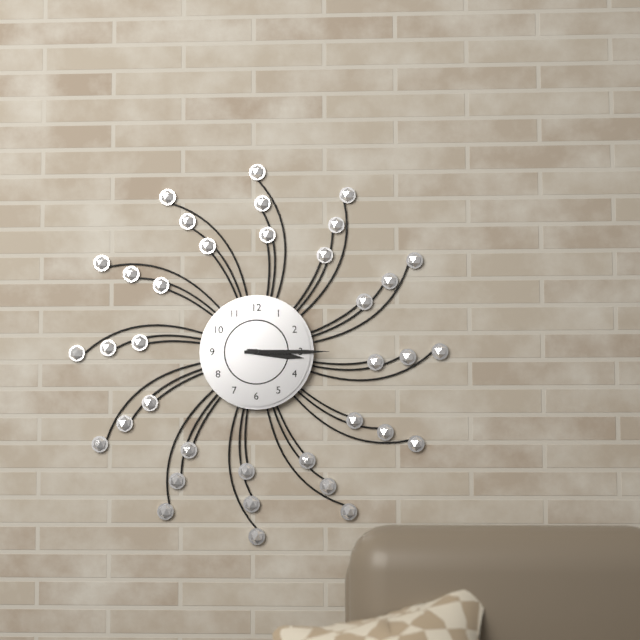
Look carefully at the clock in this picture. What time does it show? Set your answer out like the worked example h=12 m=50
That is h=3 m=15
